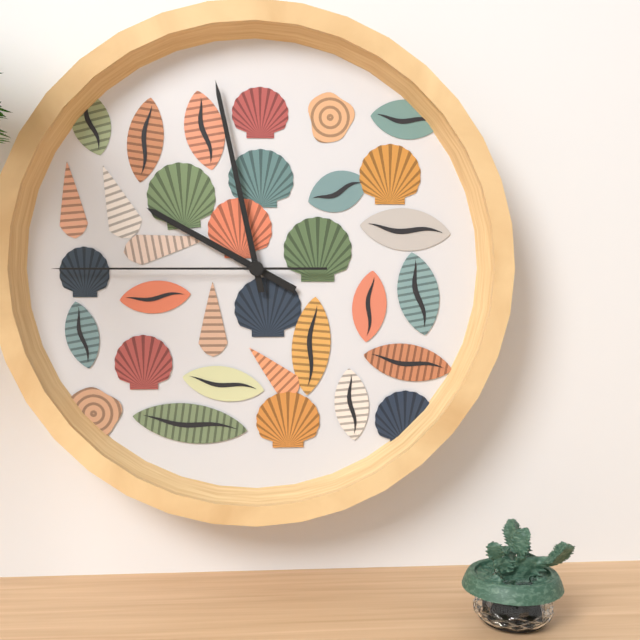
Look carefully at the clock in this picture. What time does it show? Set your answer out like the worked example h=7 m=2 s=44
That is h=9 m=58 s=45
